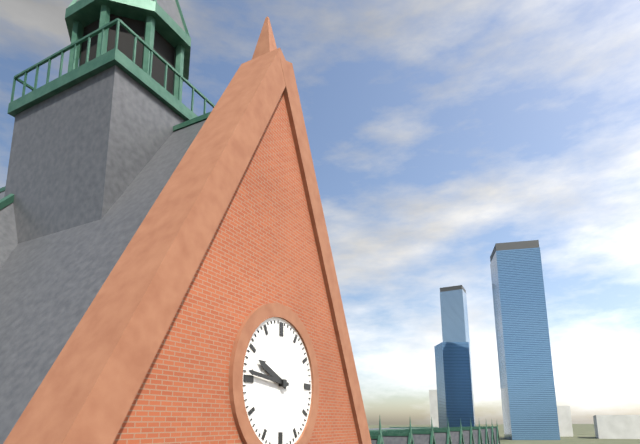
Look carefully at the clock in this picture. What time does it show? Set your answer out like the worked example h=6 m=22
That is h=9 m=46
